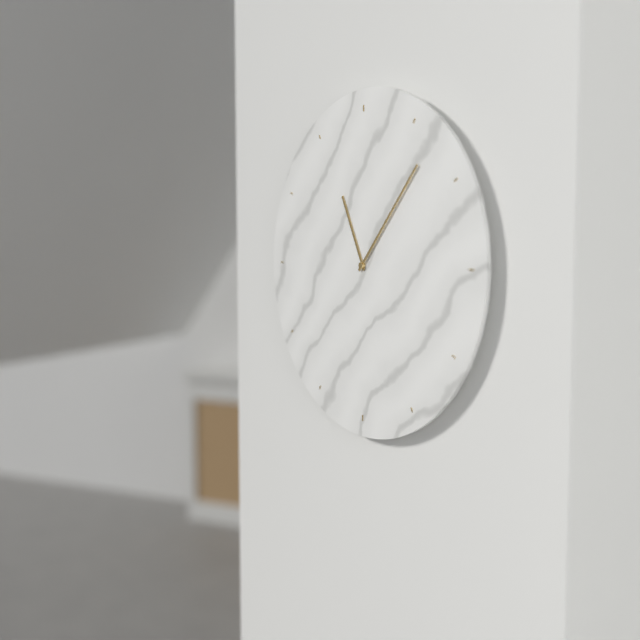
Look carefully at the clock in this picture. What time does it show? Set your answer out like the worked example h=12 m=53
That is h=11 m=7
